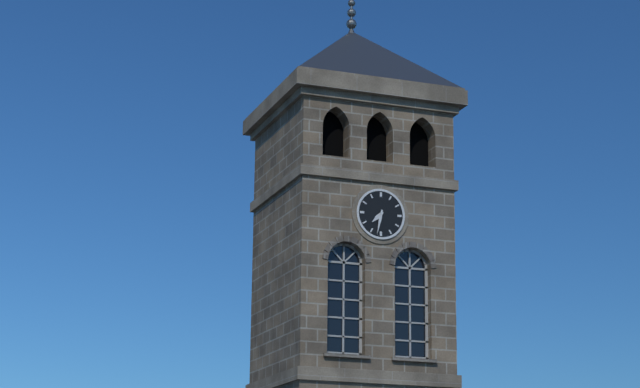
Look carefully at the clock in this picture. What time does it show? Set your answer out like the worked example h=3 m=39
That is h=7 m=32
